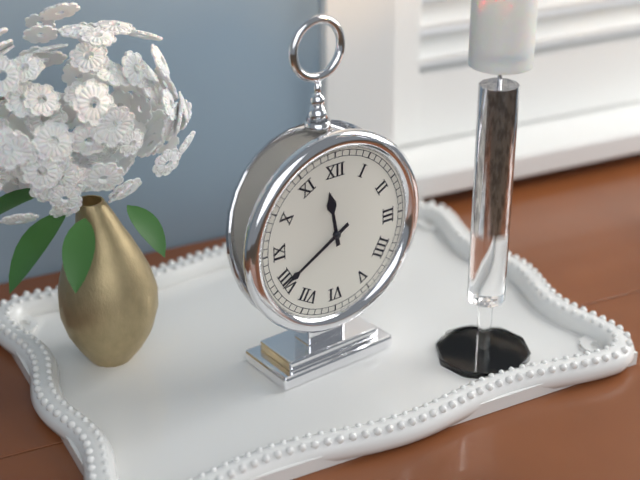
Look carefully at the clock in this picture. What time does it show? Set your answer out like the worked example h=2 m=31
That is h=11 m=40
